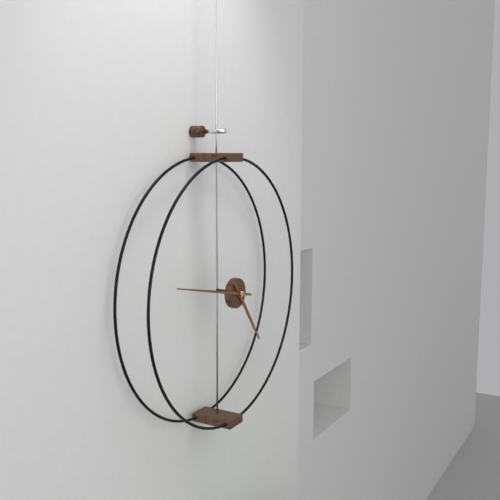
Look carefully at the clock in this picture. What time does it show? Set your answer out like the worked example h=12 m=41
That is h=4 m=47
